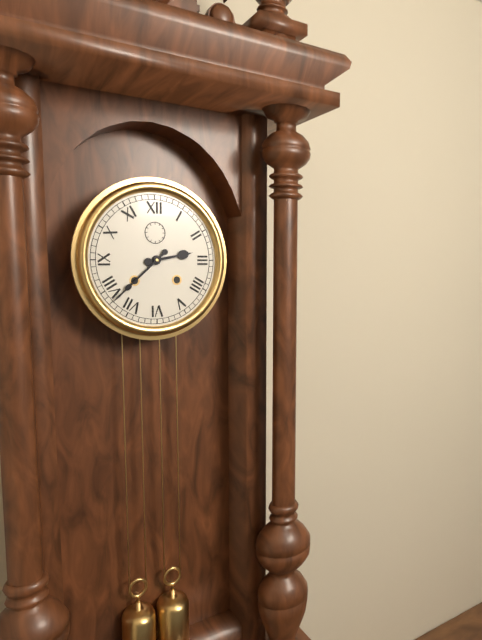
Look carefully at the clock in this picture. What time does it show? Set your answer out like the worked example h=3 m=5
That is h=2 m=38
